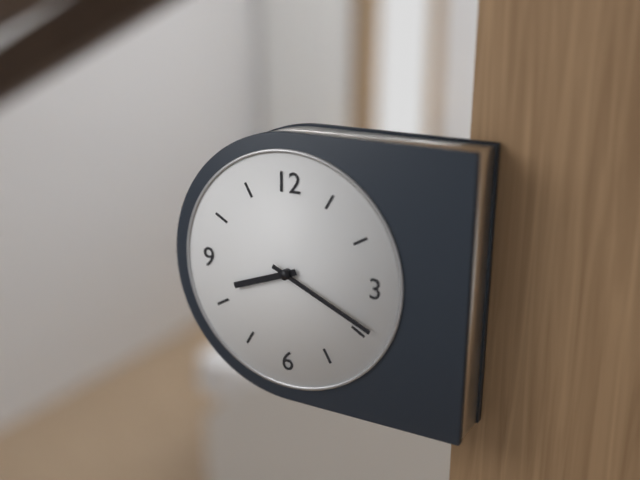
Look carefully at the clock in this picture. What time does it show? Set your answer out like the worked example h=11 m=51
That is h=8 m=19
